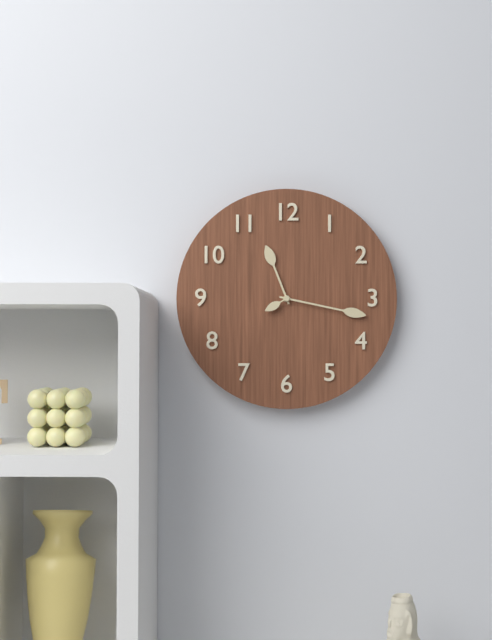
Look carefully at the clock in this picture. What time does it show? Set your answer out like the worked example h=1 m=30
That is h=11 m=17
